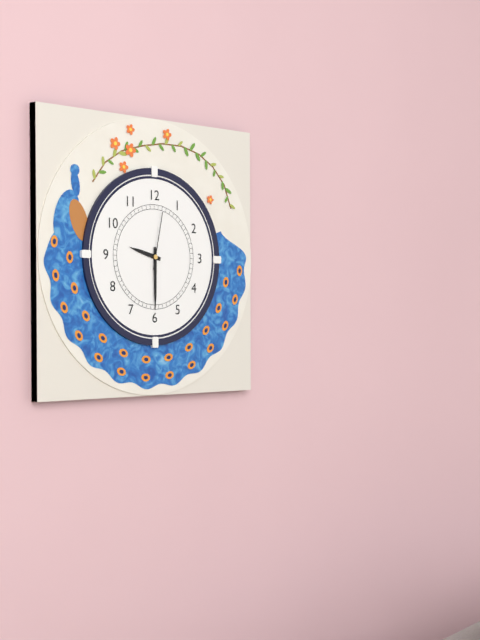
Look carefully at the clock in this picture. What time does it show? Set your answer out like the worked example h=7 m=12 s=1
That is h=9 m=30 s=2
